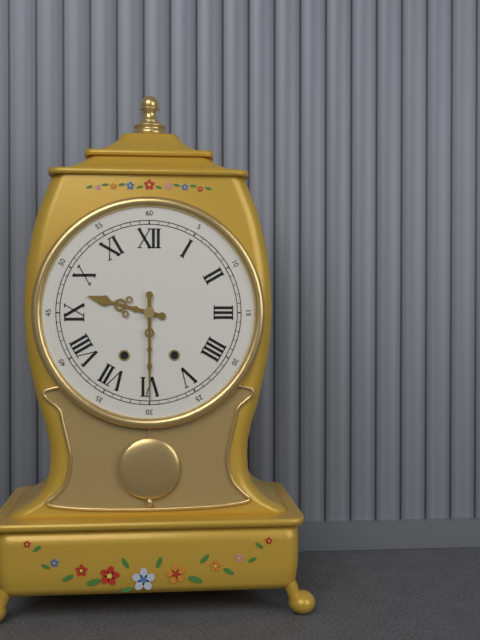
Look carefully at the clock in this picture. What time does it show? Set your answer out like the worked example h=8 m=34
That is h=9 m=30
